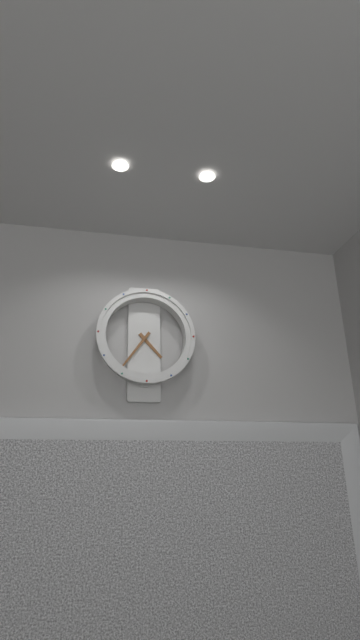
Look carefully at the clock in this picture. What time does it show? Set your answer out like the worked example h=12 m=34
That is h=4 m=36
